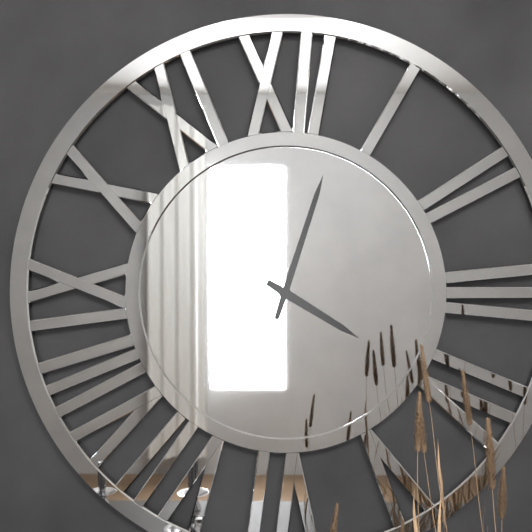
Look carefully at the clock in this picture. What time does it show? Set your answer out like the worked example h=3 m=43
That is h=4 m=3
